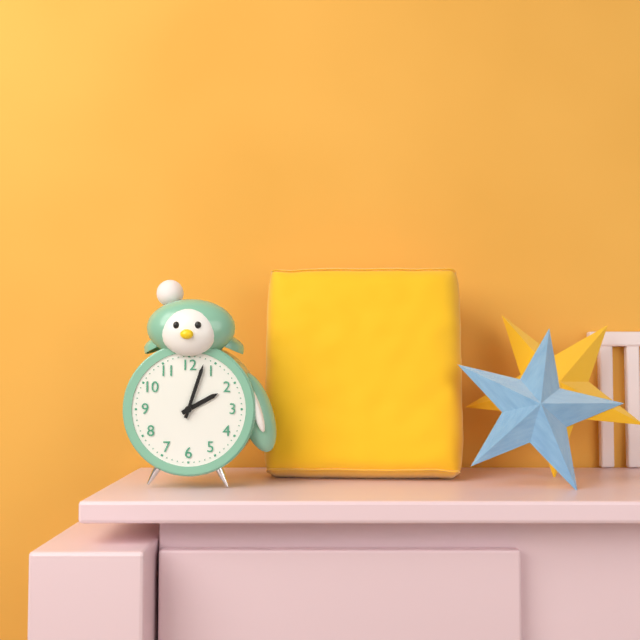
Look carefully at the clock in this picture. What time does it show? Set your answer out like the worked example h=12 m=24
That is h=2 m=3
